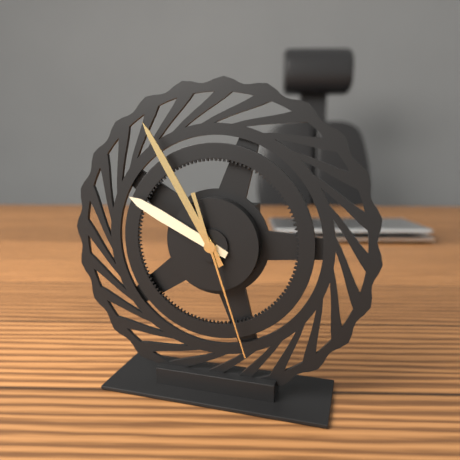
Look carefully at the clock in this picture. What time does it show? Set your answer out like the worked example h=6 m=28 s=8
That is h=9 m=55 s=27
